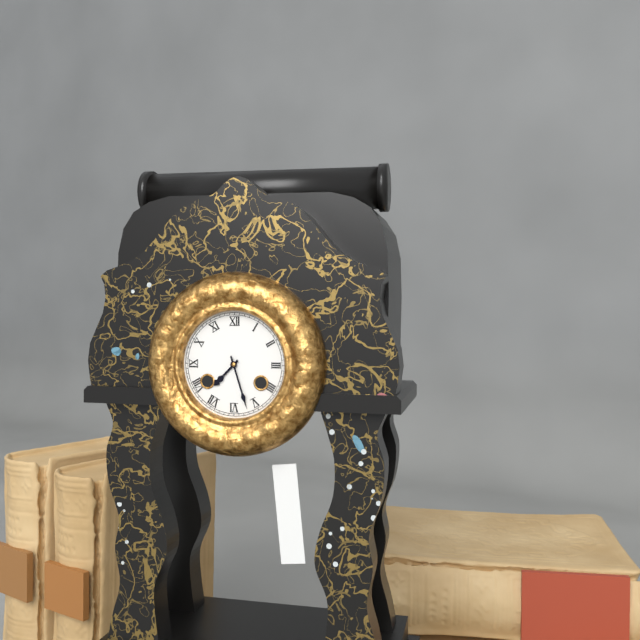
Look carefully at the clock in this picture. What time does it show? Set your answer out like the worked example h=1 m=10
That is h=7 m=27
